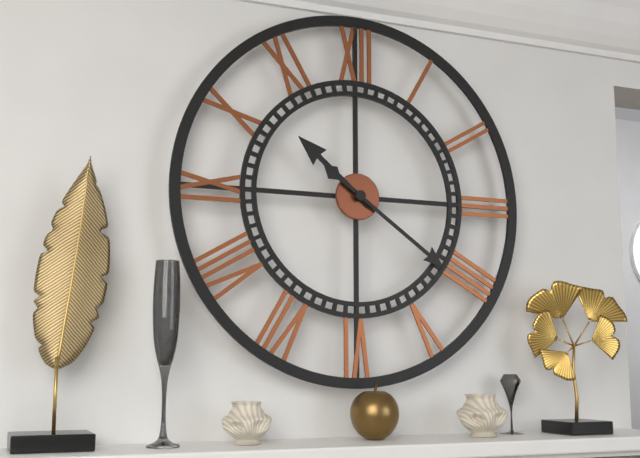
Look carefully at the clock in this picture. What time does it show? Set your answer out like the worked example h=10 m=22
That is h=10 m=21
